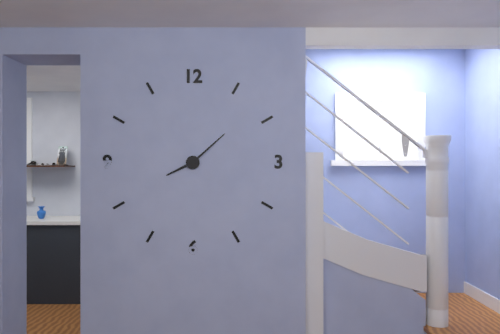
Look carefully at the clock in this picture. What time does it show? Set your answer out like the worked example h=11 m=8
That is h=8 m=8
